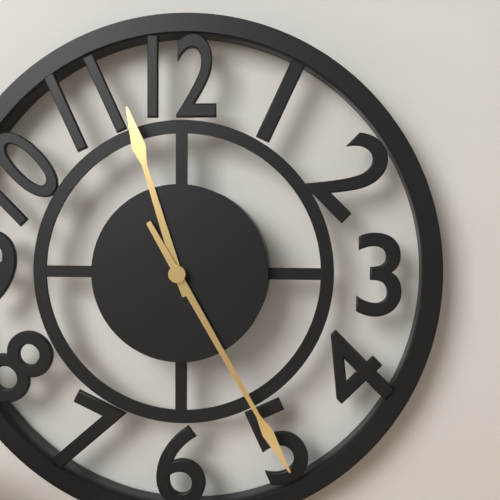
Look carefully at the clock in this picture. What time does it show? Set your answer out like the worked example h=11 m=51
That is h=11 m=25
